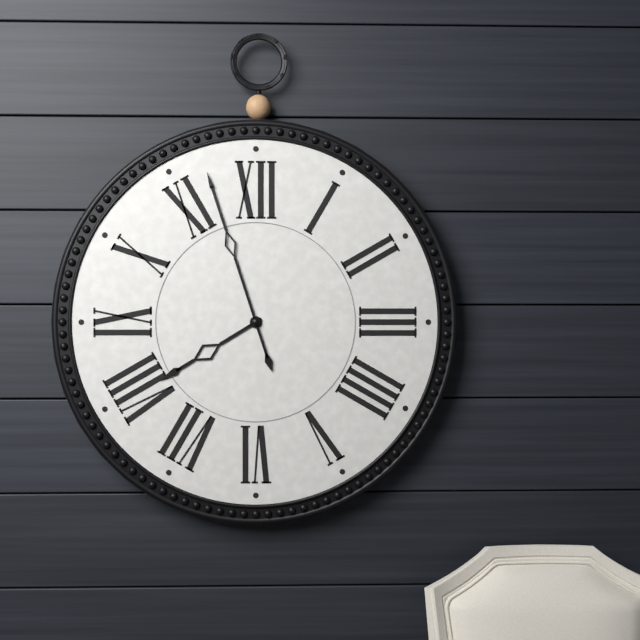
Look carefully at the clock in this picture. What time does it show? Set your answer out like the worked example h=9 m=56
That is h=7 m=57
